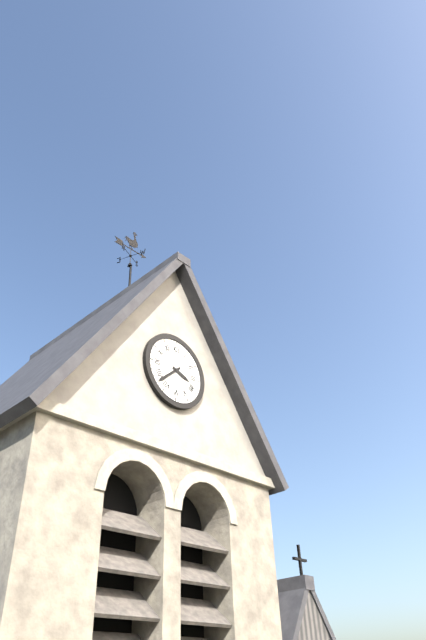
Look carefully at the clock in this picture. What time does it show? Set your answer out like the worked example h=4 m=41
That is h=3 m=38
